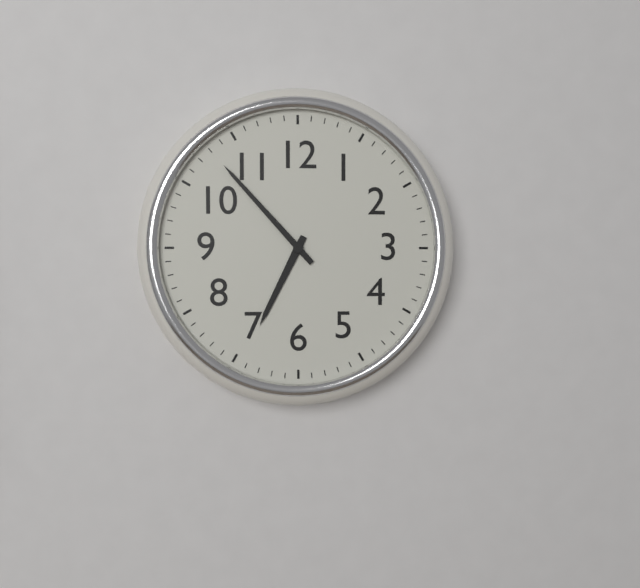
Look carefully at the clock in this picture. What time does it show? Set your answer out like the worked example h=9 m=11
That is h=6 m=53
